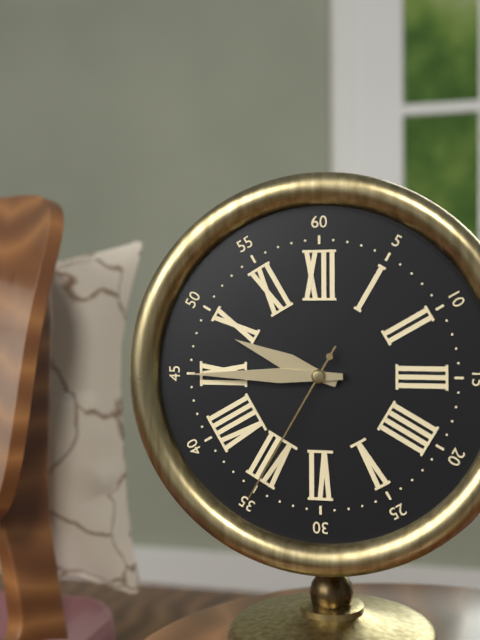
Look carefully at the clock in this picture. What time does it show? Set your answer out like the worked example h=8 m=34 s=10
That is h=9 m=45 s=35
